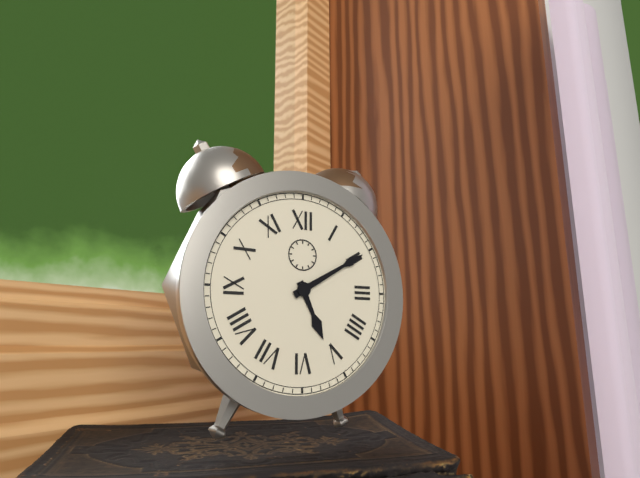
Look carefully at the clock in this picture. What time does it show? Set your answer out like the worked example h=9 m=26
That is h=5 m=10
